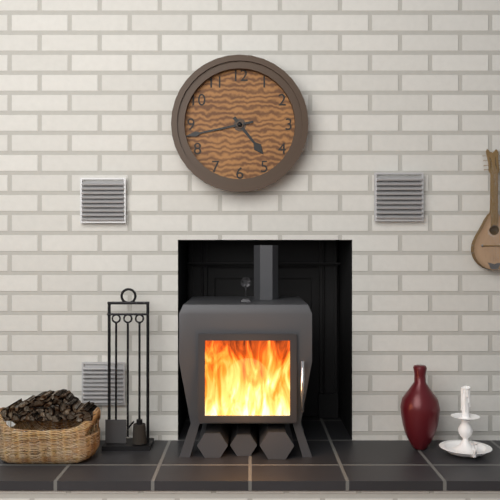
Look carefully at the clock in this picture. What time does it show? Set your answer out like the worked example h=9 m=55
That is h=4 m=43
